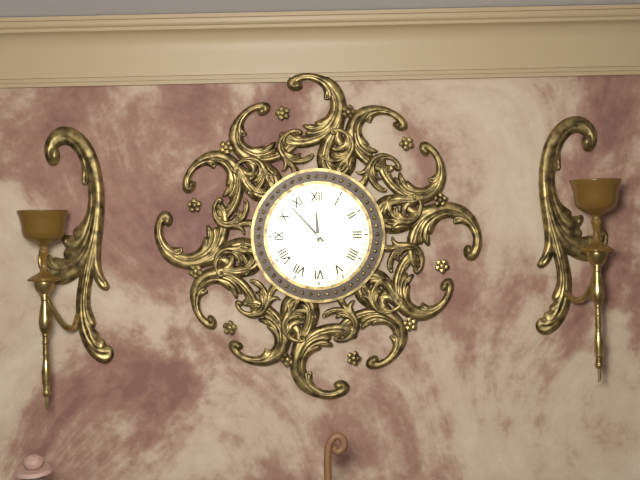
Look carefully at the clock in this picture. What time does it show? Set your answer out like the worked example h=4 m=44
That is h=11 m=53
